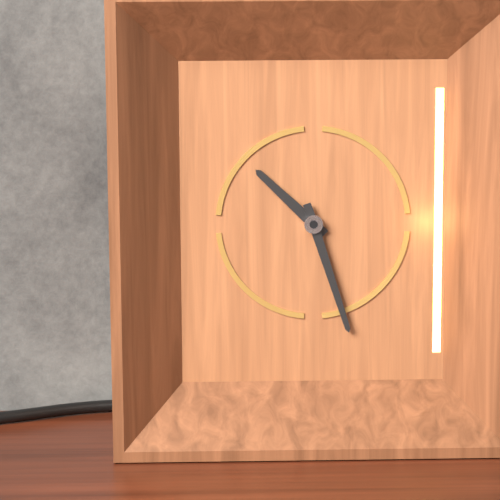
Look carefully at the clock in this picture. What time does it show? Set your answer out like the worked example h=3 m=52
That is h=10 m=27
